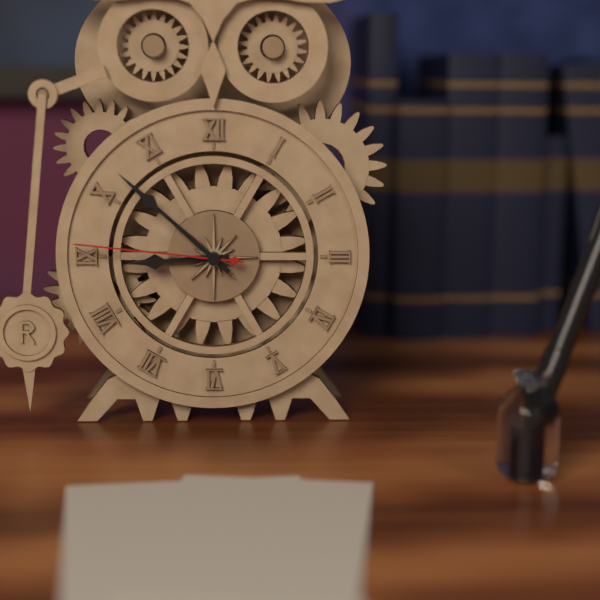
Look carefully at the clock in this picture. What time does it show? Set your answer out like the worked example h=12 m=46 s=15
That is h=8 m=52 s=46
